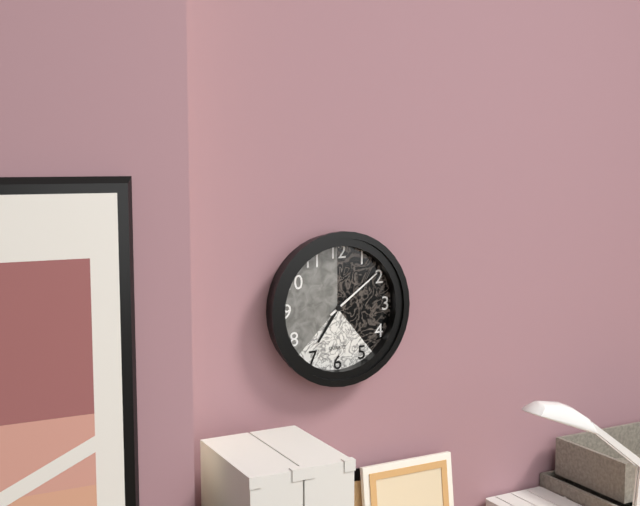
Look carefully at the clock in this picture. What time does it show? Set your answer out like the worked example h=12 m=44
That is h=7 m=9
